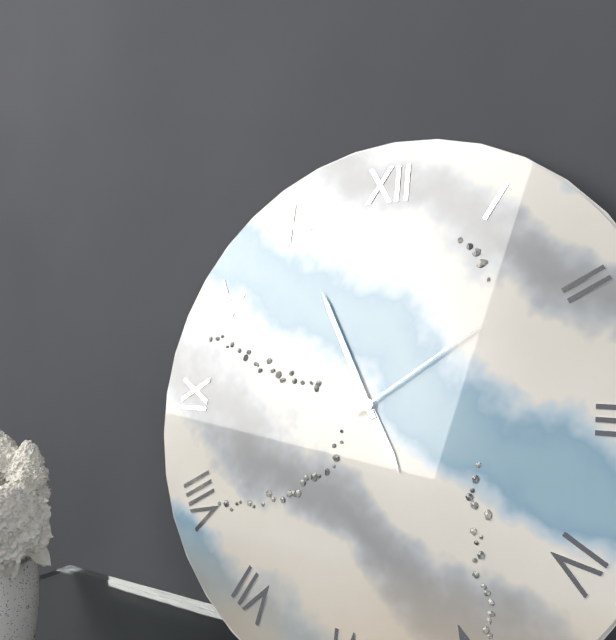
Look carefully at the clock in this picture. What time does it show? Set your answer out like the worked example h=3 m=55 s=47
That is h=4 m=55 s=9
